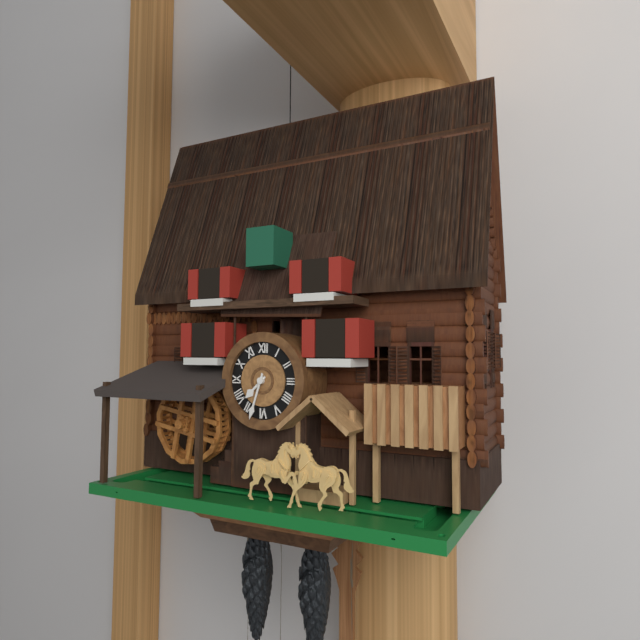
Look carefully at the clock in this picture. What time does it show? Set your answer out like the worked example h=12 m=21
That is h=7 m=33
